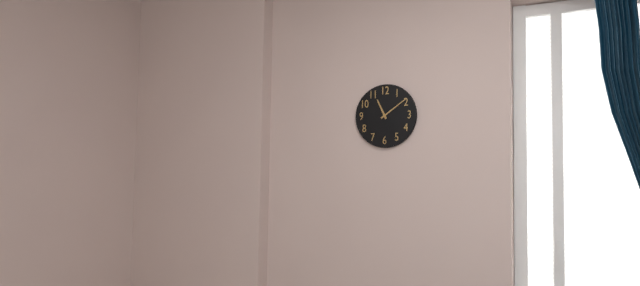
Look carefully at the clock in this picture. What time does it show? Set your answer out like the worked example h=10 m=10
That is h=11 m=9
